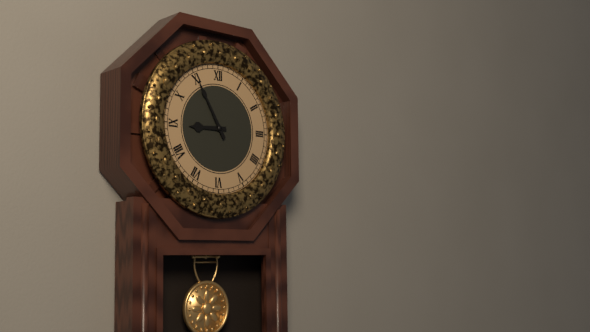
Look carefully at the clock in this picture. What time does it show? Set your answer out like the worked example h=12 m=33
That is h=8 m=55
